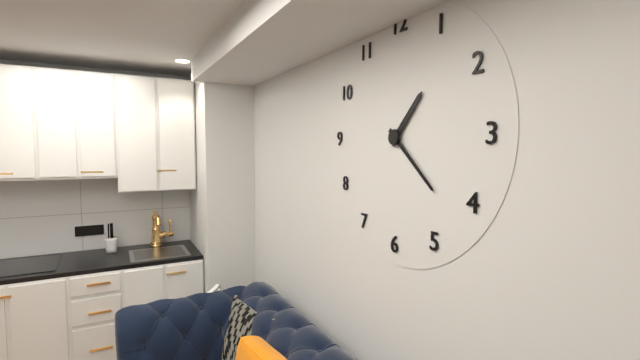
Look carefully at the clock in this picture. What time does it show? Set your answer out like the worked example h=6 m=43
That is h=1 m=22
